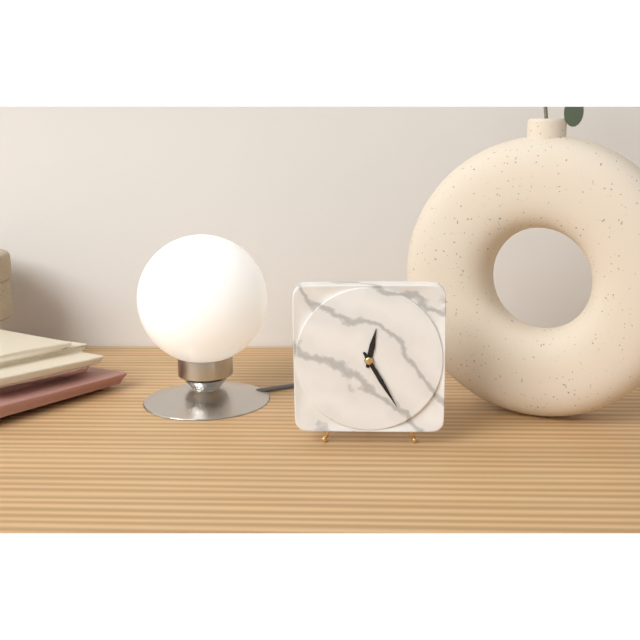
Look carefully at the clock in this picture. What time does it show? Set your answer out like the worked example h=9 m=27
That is h=12 m=25
